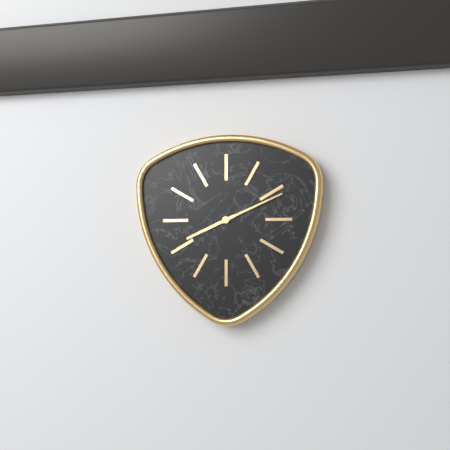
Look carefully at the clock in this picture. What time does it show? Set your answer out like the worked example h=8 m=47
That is h=8 m=11
